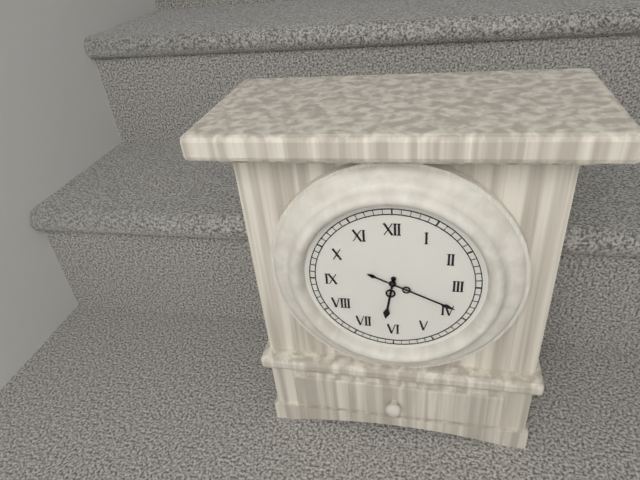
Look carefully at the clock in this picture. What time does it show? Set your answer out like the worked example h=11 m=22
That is h=6 m=19
